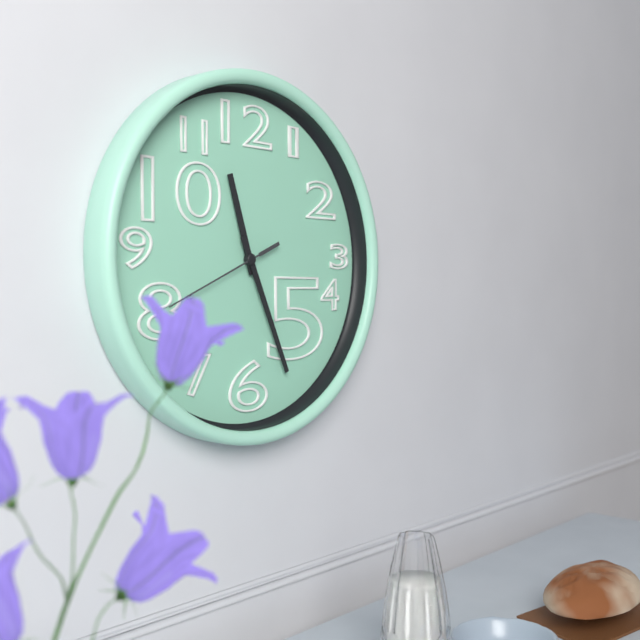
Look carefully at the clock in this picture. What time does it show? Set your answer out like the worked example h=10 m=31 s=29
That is h=11 m=26 s=41
